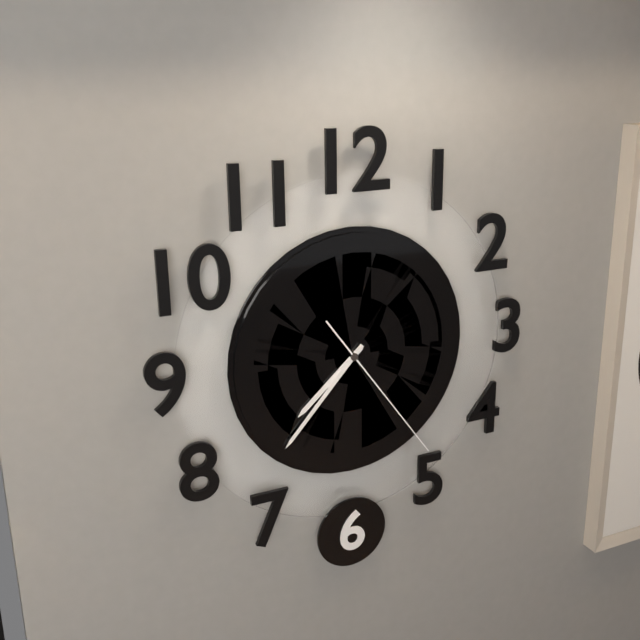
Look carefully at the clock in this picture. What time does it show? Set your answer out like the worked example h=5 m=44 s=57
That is h=7 m=37 s=24
